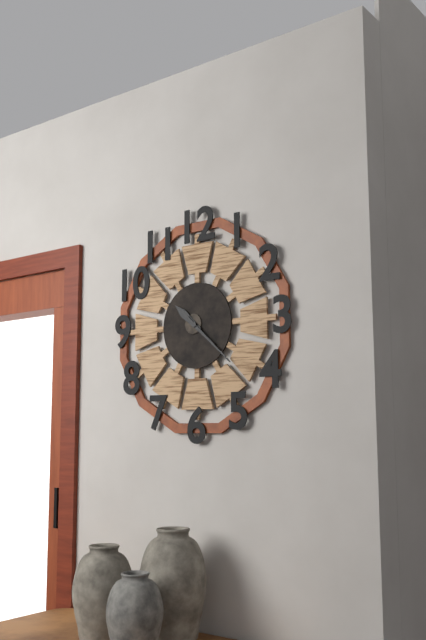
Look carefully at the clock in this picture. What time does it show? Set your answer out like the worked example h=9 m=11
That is h=10 m=22
